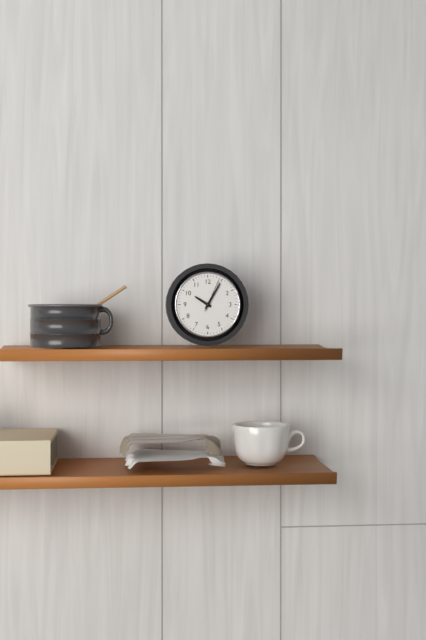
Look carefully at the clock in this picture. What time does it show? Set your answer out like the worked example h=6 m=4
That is h=10 m=5
